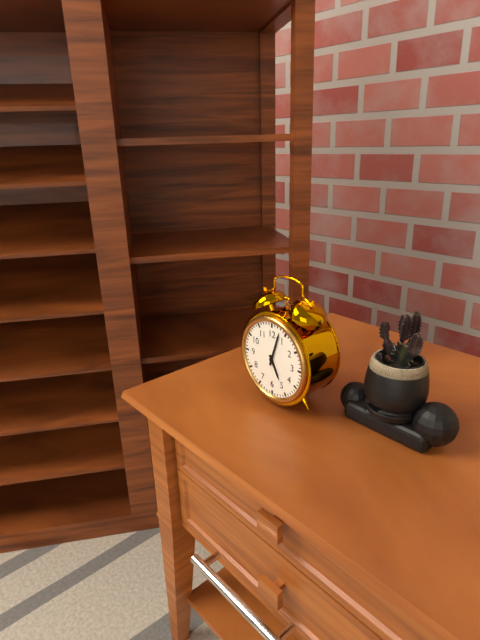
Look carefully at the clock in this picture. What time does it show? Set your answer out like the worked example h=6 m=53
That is h=5 m=3
